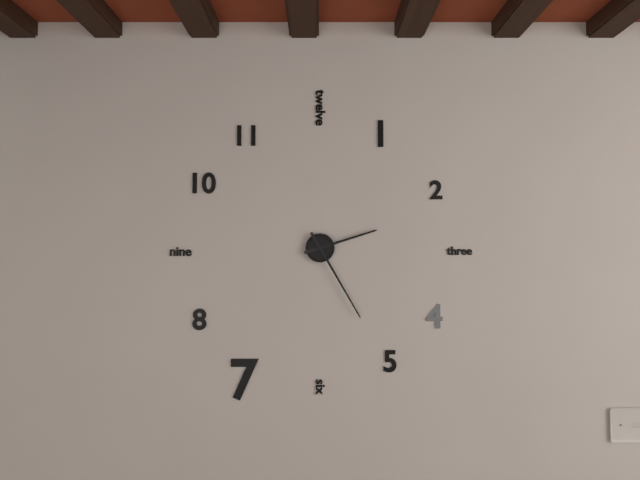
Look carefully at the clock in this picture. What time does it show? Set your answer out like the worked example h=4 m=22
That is h=2 m=25
